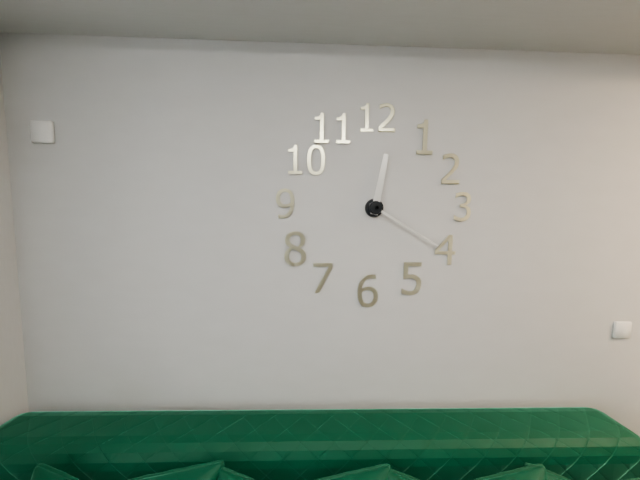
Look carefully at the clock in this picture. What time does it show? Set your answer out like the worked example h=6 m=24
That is h=12 m=20
